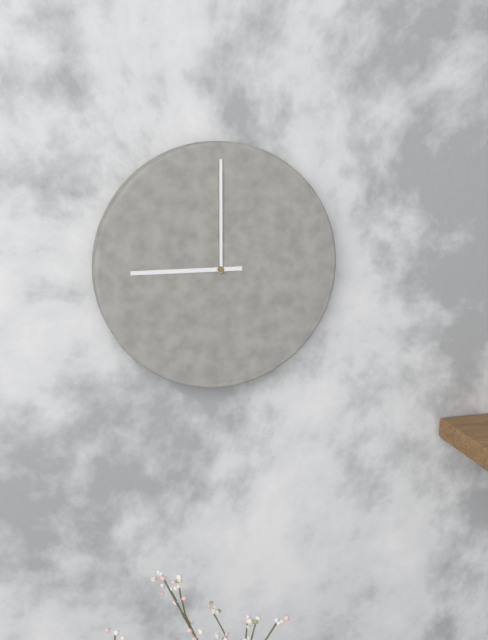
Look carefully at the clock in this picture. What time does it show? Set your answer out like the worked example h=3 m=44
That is h=9 m=0
